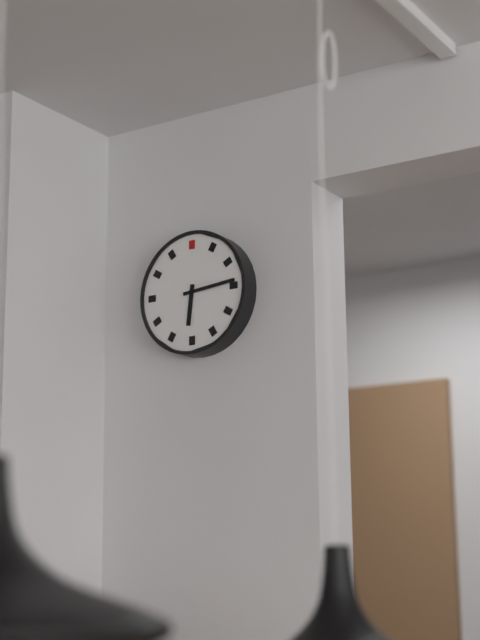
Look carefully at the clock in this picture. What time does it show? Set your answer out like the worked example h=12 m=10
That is h=6 m=14
